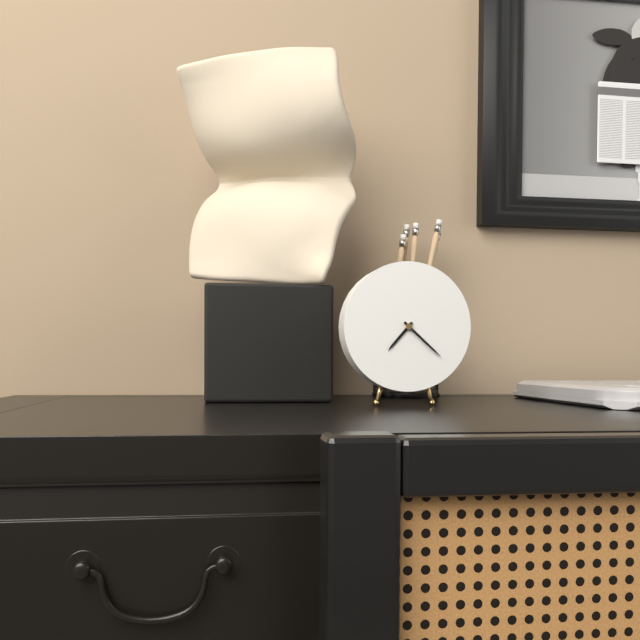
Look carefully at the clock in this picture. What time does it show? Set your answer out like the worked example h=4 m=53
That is h=7 m=22
